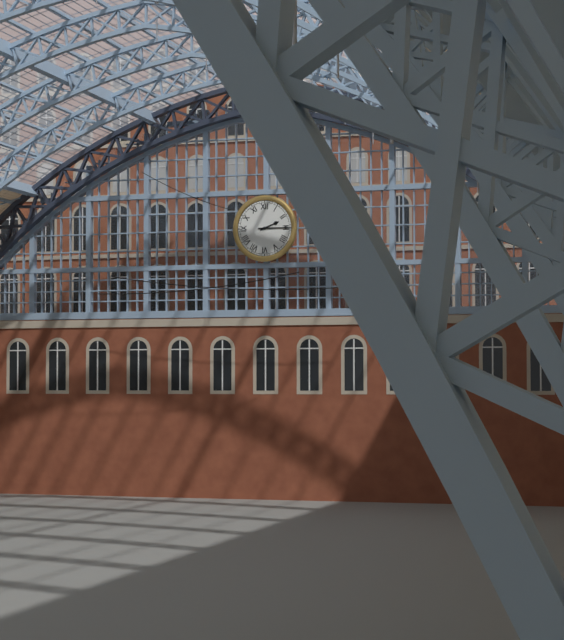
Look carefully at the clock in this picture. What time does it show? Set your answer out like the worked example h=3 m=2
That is h=2 m=15
